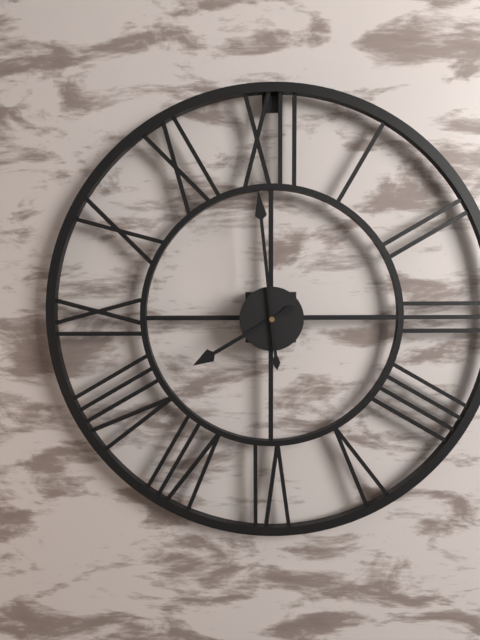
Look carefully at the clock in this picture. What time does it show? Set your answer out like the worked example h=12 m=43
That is h=7 m=59
